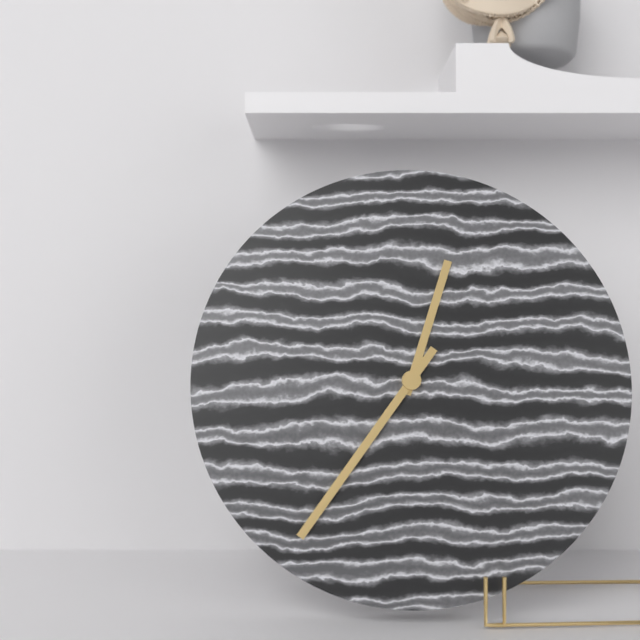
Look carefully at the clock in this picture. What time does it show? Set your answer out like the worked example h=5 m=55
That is h=12 m=36
